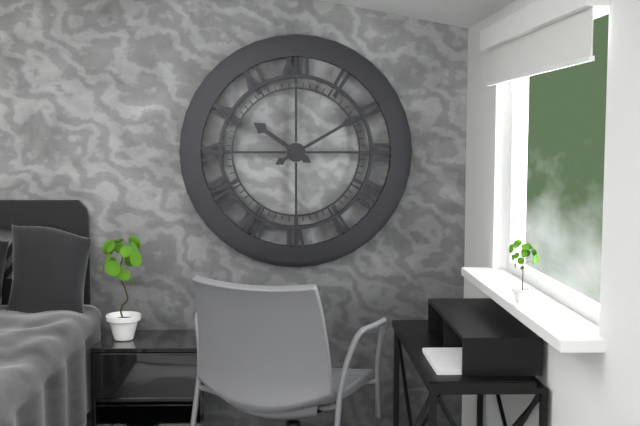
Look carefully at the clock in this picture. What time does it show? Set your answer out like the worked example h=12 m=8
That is h=10 m=10
